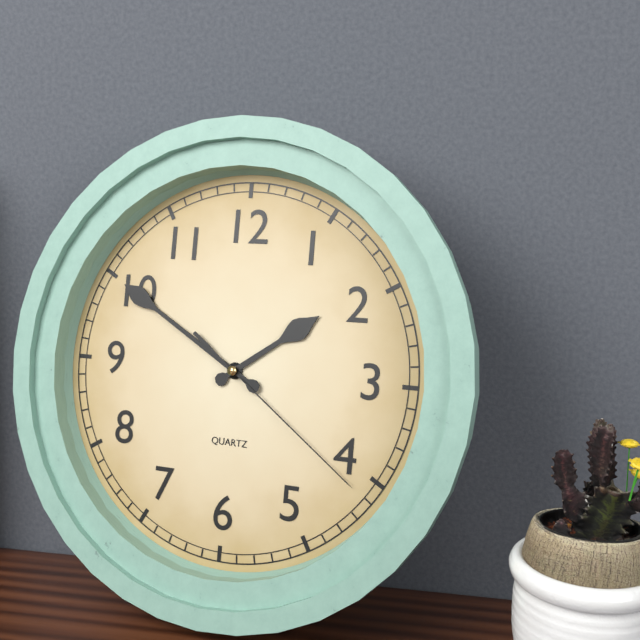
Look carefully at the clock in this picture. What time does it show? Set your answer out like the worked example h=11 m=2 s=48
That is h=1 m=50 s=21
